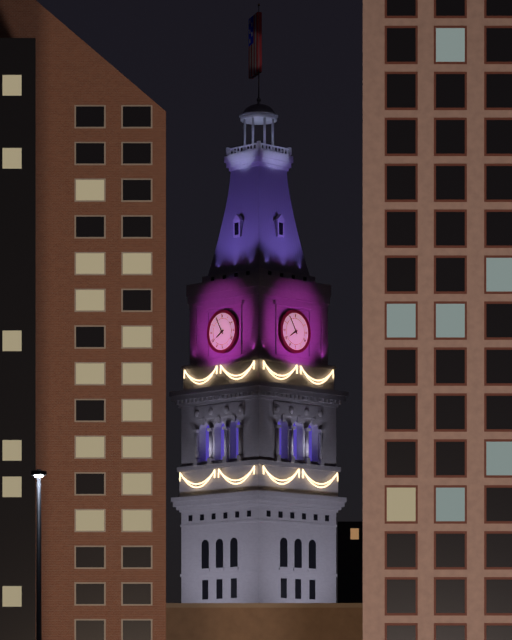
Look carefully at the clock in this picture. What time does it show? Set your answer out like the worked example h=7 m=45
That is h=7 m=55
